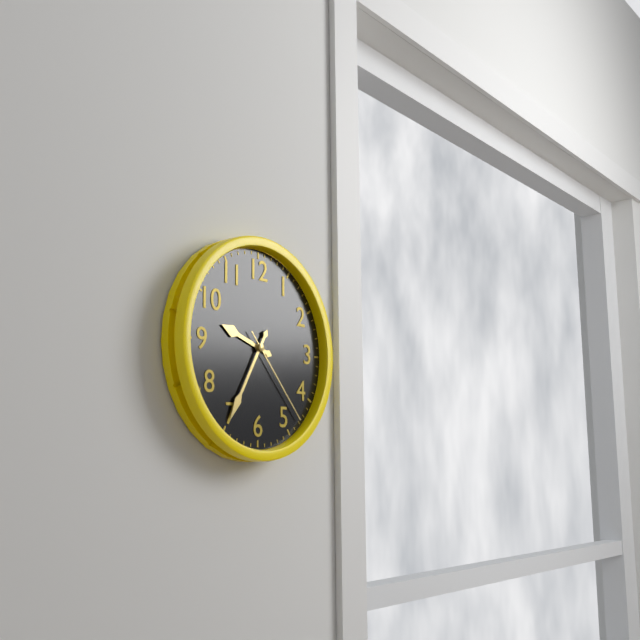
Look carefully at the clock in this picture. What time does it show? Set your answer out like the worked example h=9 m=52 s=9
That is h=9 m=35 s=23
